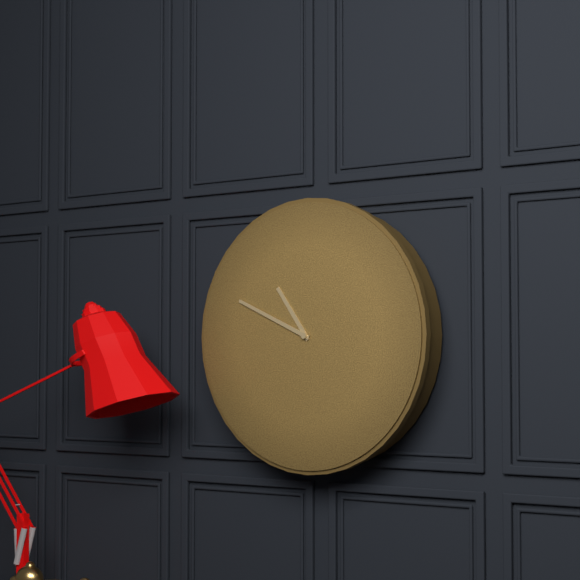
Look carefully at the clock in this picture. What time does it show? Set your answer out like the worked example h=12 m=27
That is h=10 m=49
